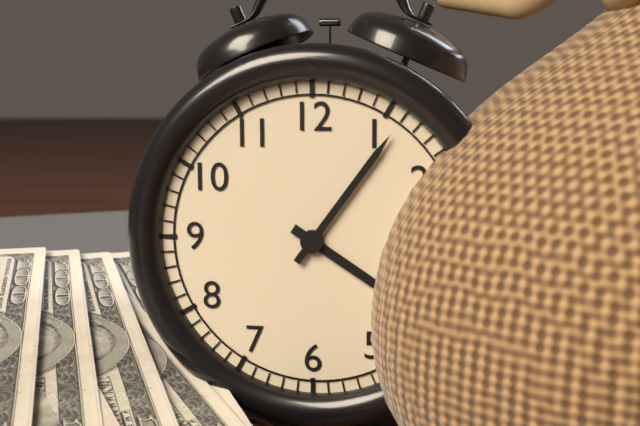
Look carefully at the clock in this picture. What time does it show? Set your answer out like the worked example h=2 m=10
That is h=4 m=6
